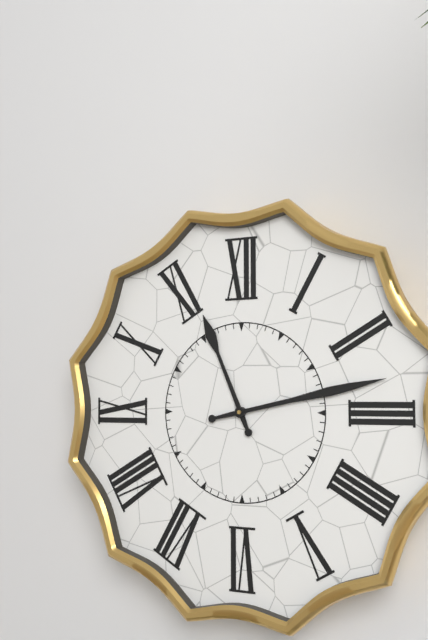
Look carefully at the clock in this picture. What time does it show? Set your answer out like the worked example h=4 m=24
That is h=11 m=13
